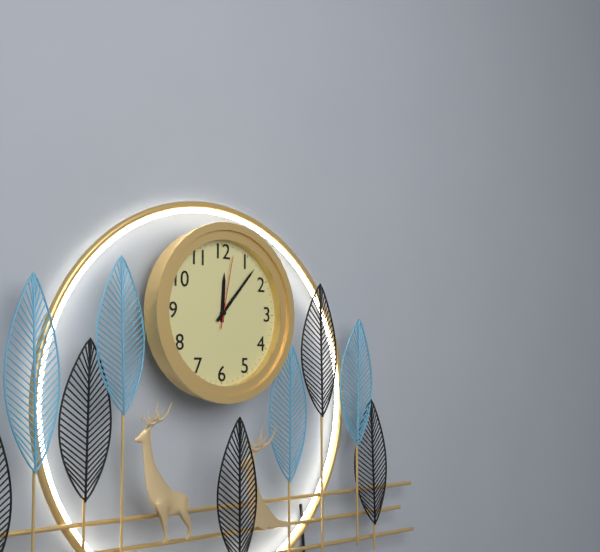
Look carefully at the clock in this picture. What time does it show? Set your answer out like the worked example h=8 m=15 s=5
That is h=12 m=7 s=2
